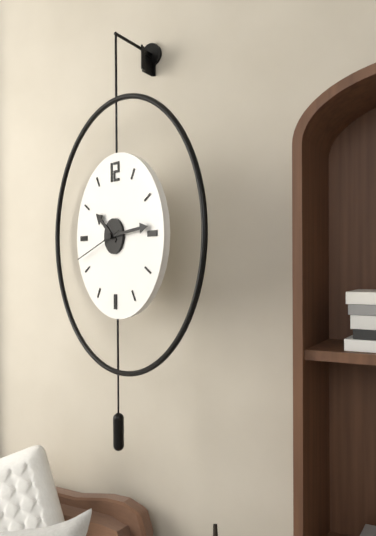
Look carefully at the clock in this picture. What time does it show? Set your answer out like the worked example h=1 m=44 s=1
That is h=10 m=14 s=42
